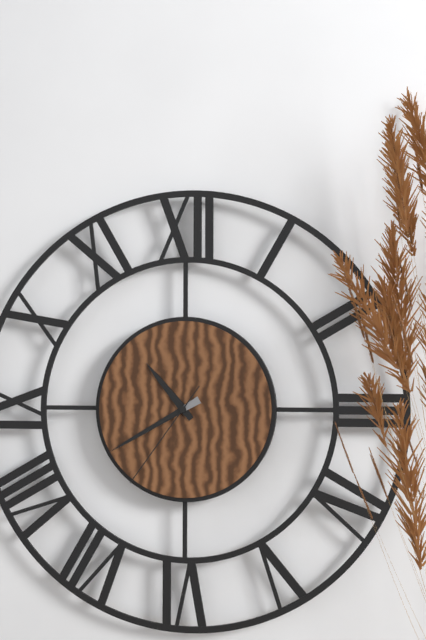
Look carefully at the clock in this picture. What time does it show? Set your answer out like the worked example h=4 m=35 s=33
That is h=10 m=40 s=36
